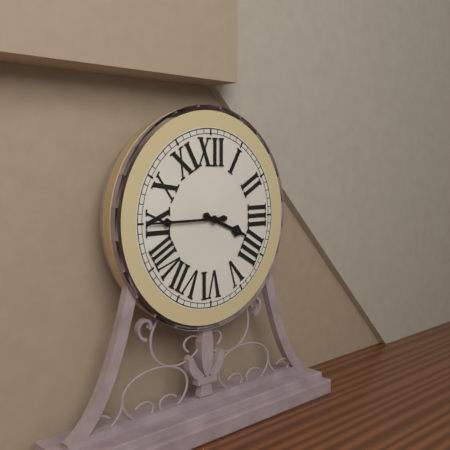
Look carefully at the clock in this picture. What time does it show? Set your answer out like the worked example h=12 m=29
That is h=3 m=45
